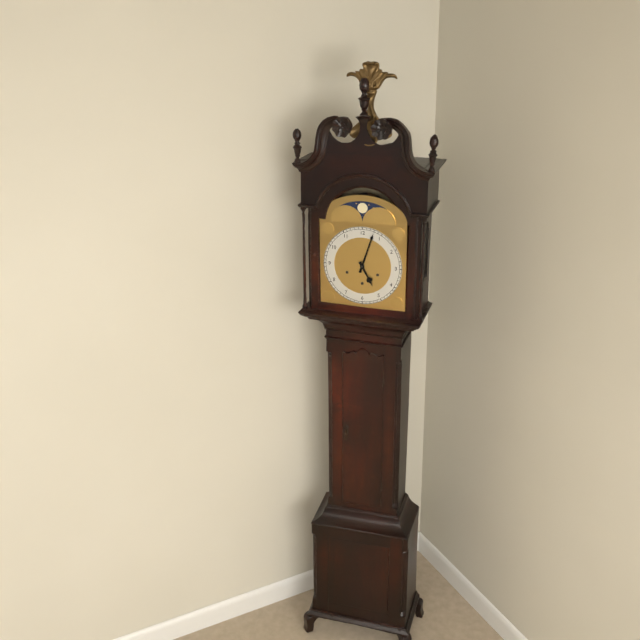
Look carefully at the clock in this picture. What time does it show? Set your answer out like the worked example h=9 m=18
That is h=5 m=3
